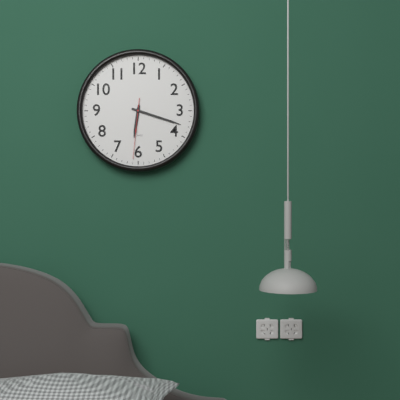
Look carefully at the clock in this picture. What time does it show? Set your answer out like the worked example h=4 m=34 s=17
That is h=6 m=18 s=31
